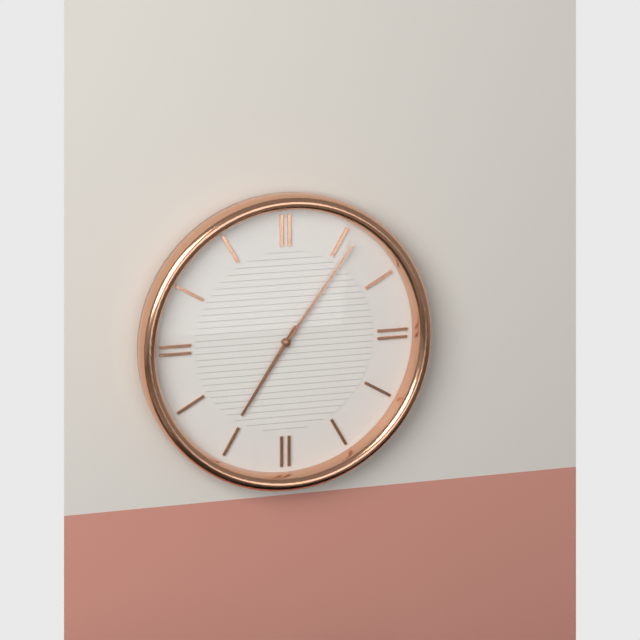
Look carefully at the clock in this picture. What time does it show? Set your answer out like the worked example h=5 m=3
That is h=7 m=6
